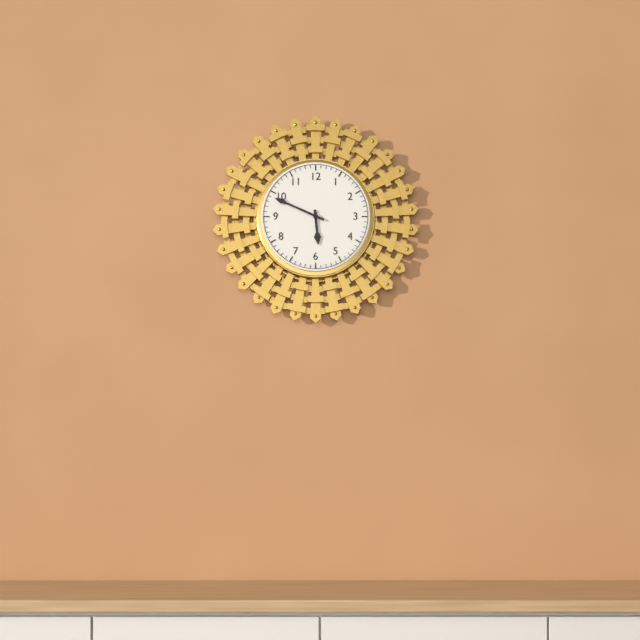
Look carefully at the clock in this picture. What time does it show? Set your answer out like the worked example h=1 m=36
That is h=5 m=49
